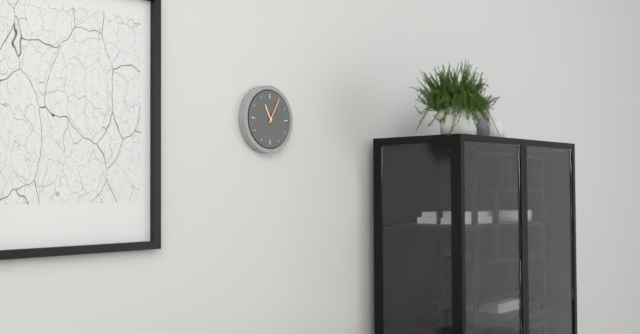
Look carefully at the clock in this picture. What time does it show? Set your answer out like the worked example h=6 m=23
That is h=11 m=5
